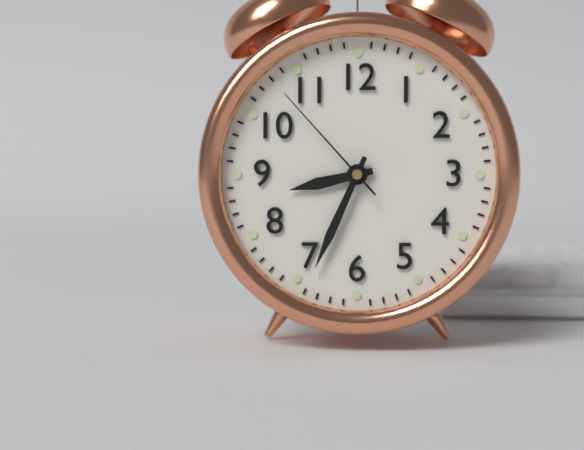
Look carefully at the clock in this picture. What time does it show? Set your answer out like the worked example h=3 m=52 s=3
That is h=8 m=34 s=53
